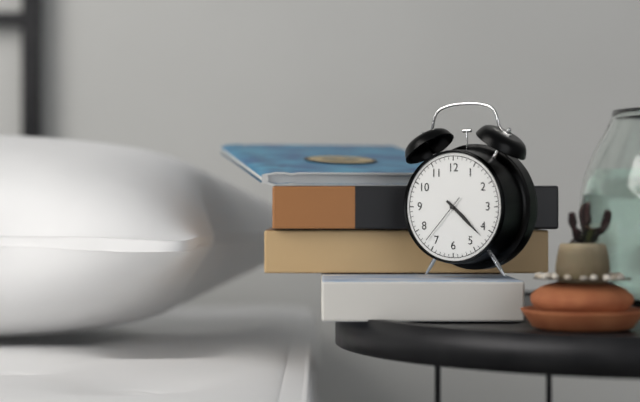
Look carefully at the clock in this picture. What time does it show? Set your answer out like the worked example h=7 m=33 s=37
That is h=4 m=22 s=37
